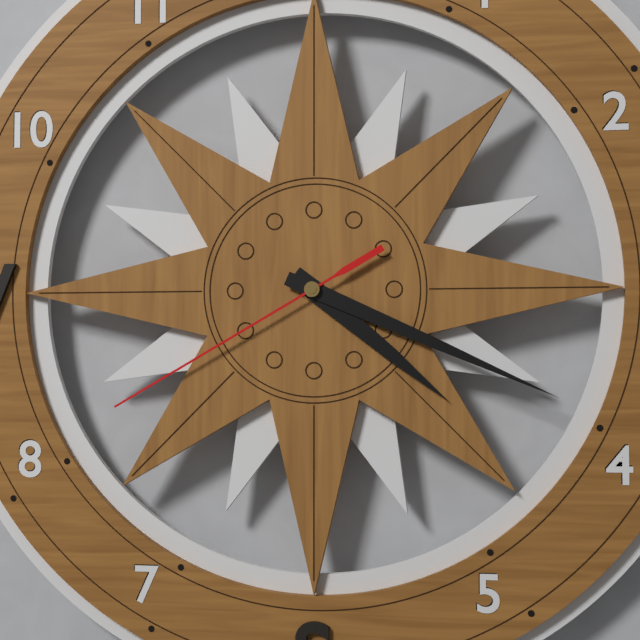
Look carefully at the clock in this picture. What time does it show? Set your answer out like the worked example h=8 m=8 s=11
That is h=4 m=19 s=40
